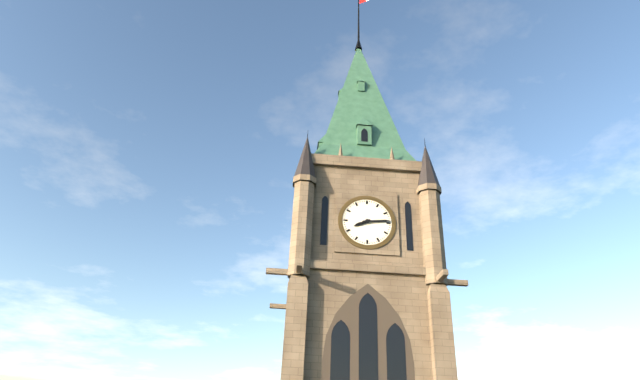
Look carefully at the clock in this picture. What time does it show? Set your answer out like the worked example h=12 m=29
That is h=8 m=14
